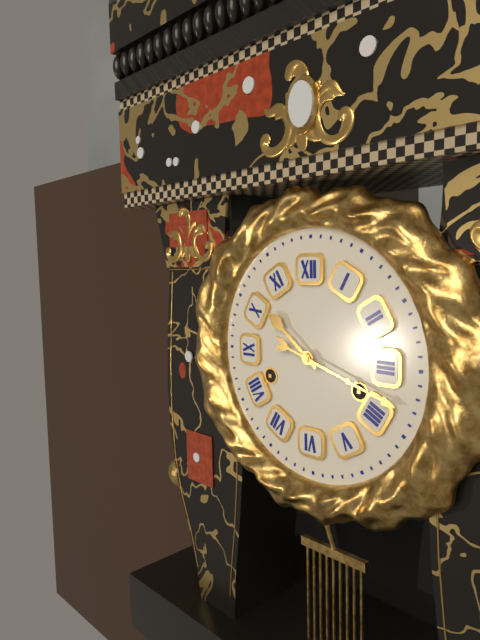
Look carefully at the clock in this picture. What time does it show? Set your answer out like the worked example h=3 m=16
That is h=10 m=18
